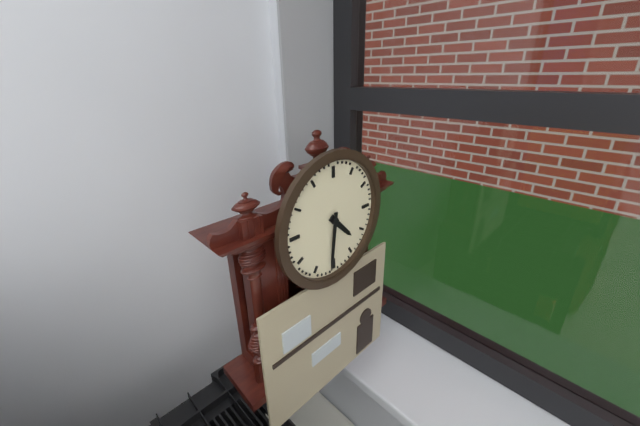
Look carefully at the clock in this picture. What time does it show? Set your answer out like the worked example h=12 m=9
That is h=4 m=31
